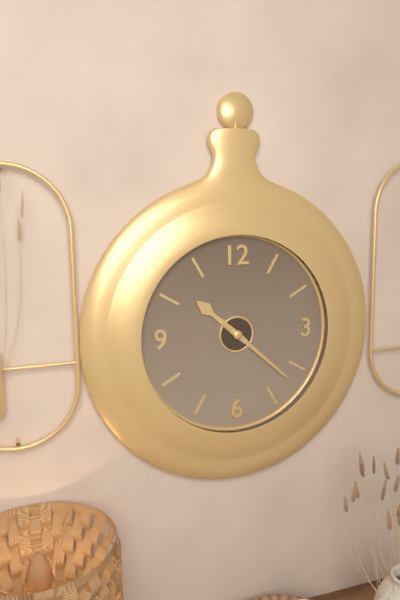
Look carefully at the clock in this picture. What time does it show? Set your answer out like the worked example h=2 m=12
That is h=10 m=22
